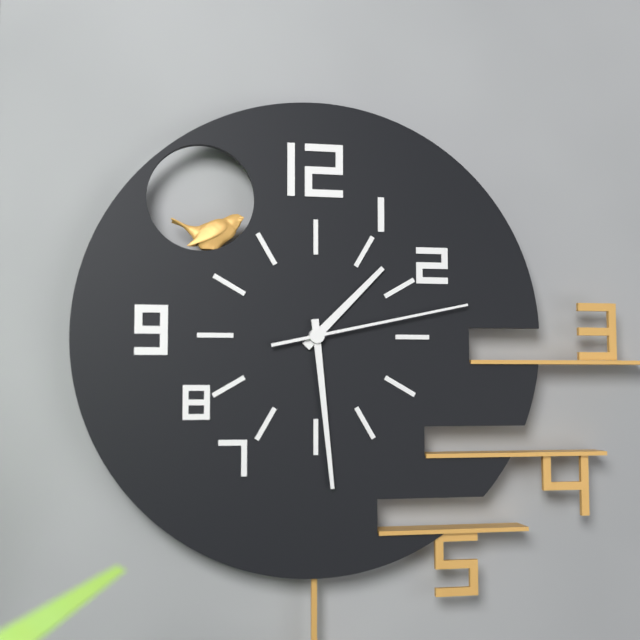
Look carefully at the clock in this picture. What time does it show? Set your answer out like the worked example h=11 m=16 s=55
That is h=1 m=29 s=13
